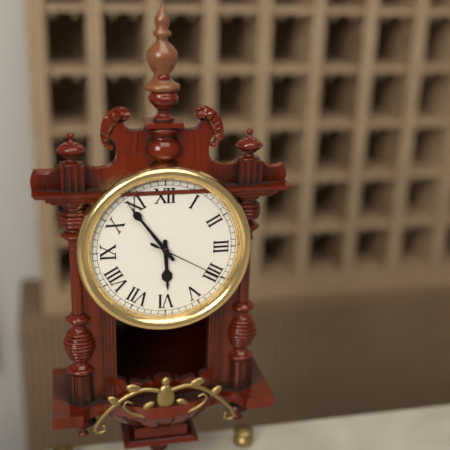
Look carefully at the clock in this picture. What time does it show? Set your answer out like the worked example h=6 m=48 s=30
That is h=5 m=54 s=20
